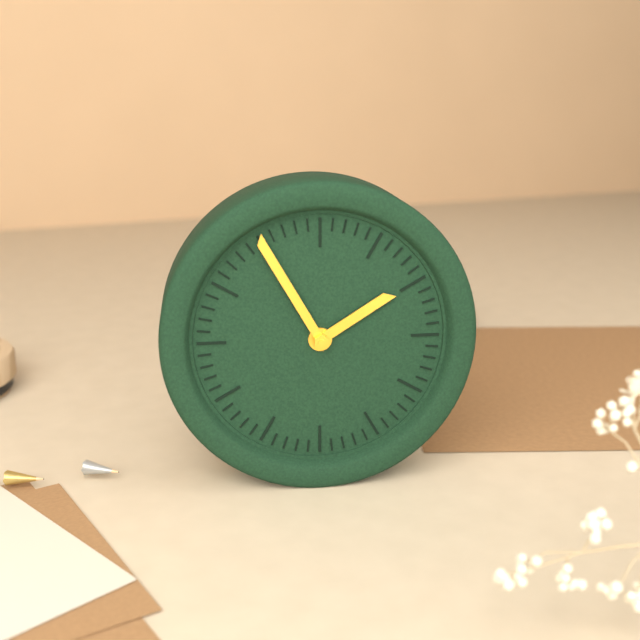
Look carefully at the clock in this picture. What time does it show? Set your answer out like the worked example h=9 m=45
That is h=1 m=55
